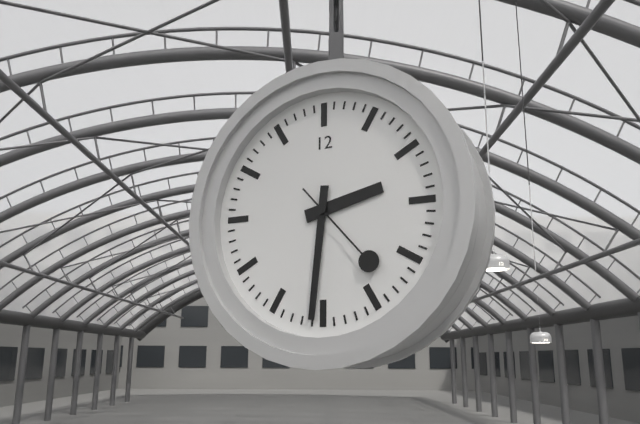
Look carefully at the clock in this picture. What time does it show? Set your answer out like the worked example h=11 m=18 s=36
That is h=2 m=31 s=23
